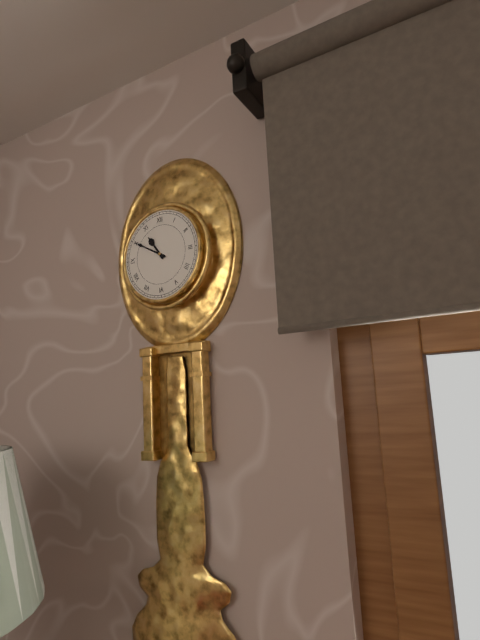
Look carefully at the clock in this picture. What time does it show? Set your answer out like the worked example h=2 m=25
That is h=10 m=50
